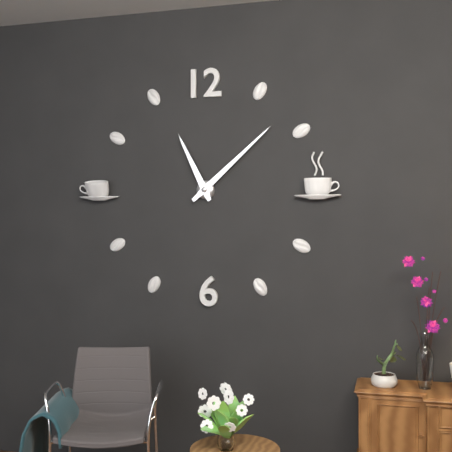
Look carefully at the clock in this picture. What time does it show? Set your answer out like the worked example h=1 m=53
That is h=11 m=8
